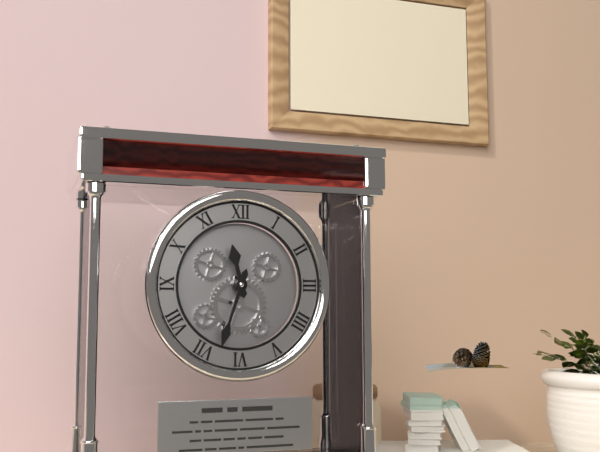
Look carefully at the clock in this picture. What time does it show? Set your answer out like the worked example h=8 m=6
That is h=11 m=33
